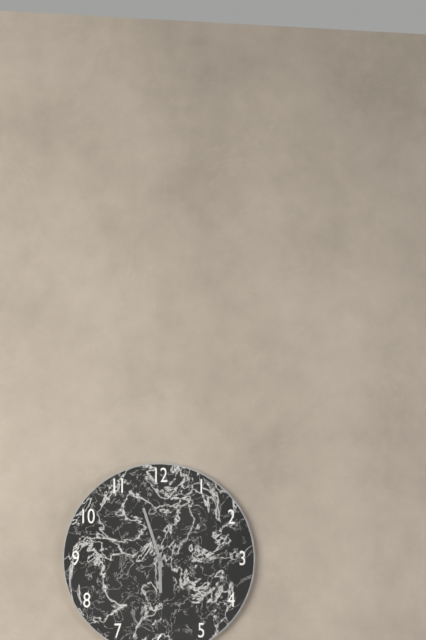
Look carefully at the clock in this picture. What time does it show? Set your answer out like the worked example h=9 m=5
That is h=5 m=57
